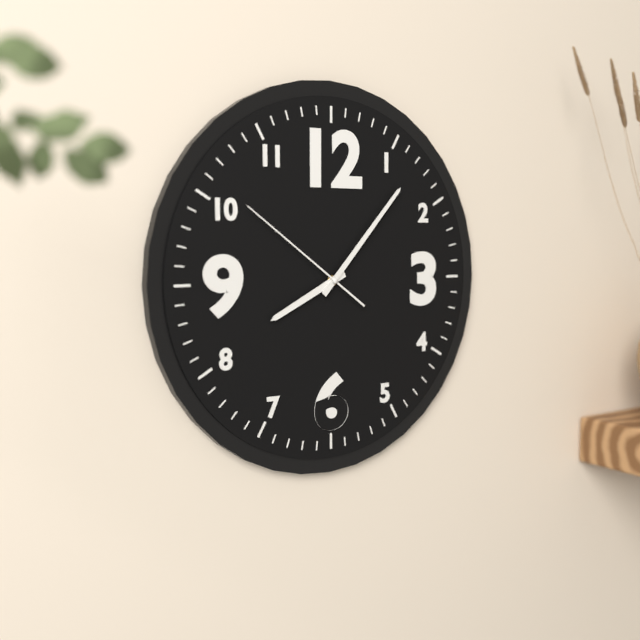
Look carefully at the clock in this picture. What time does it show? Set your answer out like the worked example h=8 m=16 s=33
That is h=8 m=7 s=51
